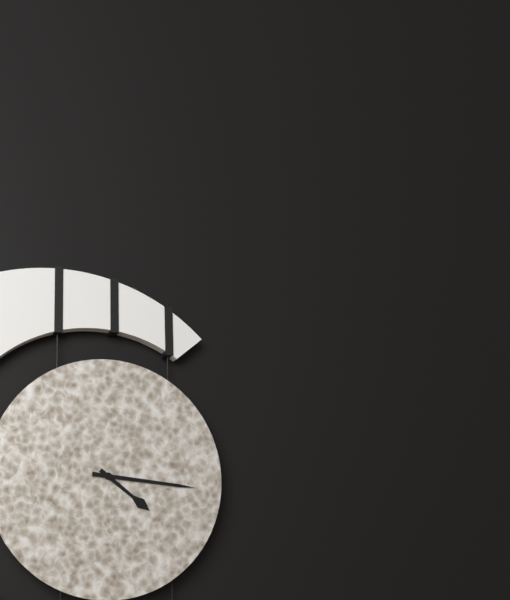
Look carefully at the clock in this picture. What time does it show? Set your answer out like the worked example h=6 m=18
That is h=4 m=16
